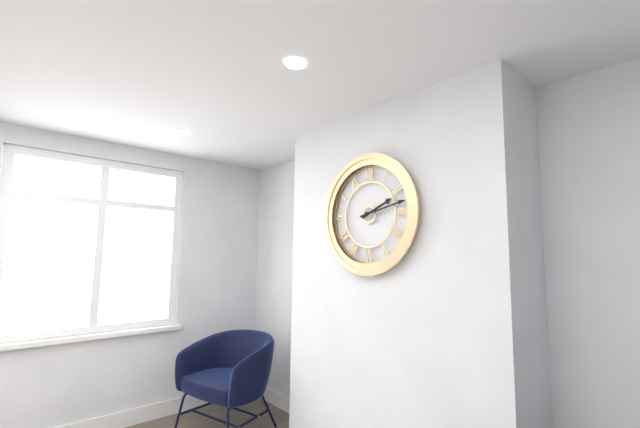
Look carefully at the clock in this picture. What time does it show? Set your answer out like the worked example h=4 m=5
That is h=2 m=13
